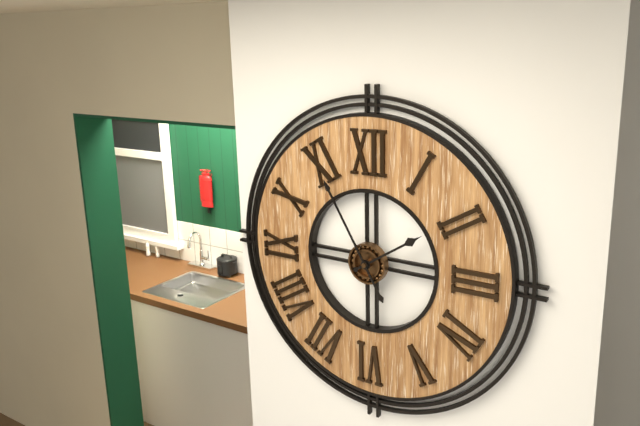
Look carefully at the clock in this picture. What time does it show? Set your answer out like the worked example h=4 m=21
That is h=1 m=55
